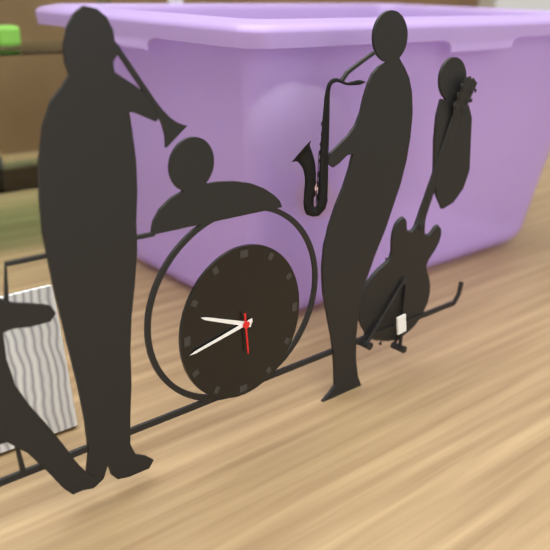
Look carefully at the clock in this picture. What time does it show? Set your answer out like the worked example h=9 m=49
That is h=9 m=43
